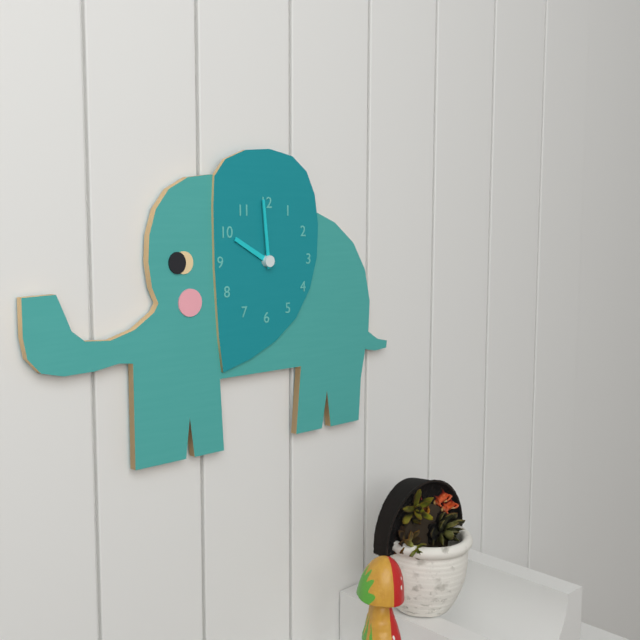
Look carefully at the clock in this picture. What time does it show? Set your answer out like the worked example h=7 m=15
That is h=9 m=59
